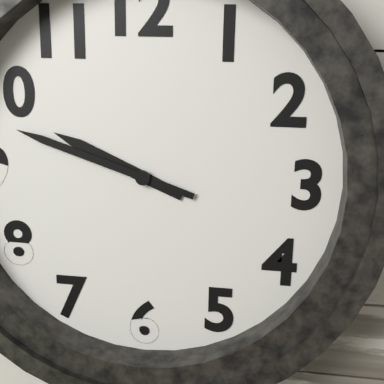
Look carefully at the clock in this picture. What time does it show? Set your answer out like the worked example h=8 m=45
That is h=9 m=48
